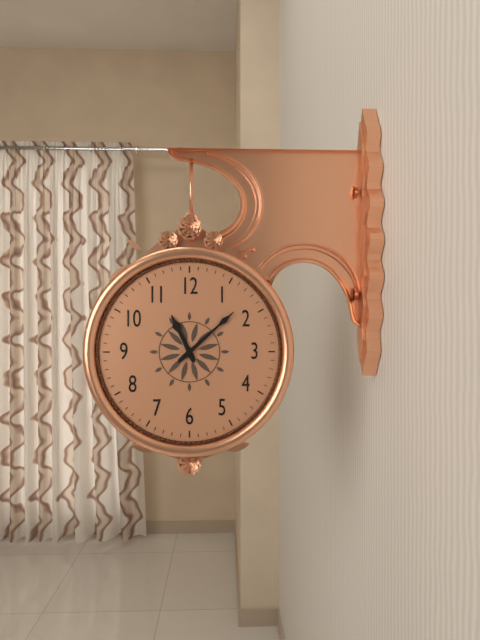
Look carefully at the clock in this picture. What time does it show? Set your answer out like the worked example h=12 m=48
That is h=11 m=8
